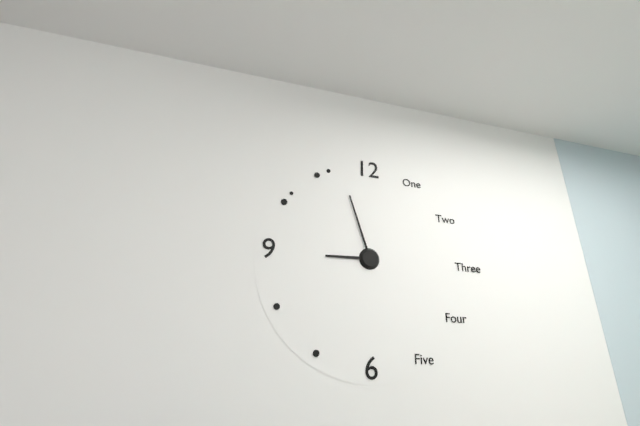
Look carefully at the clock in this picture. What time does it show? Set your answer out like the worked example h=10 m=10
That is h=8 m=57
